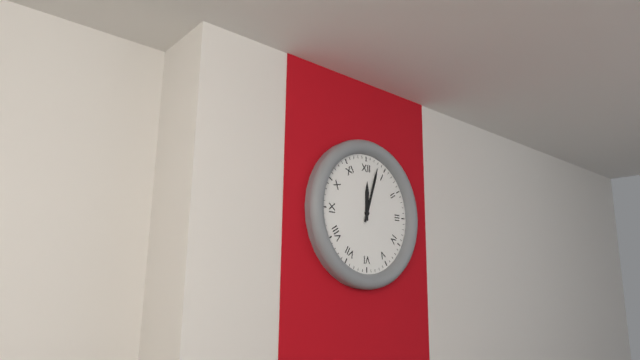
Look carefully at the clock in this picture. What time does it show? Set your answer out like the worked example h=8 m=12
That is h=12 m=3
